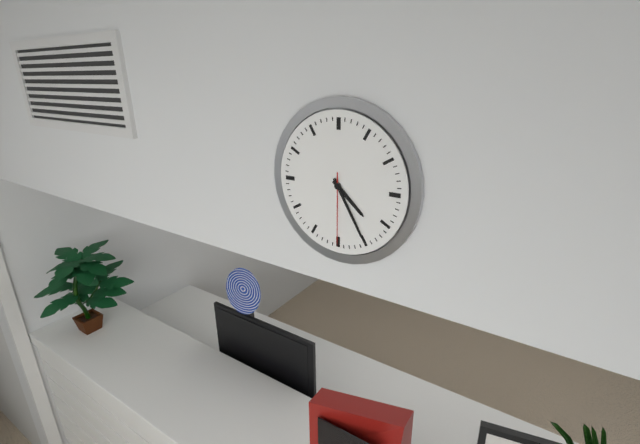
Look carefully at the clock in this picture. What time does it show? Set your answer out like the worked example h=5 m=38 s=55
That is h=4 m=25 s=30
